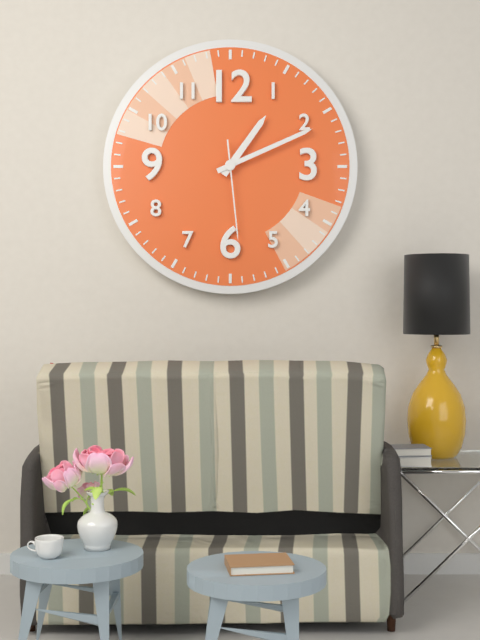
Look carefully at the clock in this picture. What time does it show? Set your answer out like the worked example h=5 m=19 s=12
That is h=1 m=11 s=29
